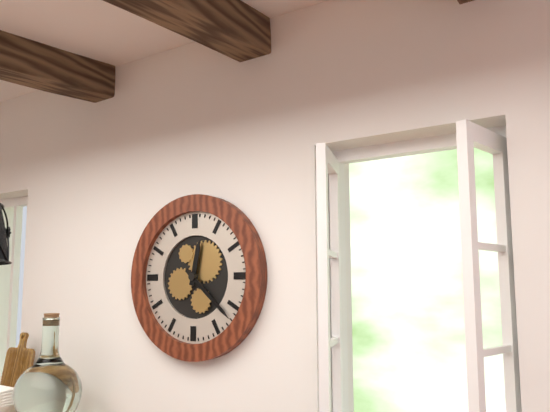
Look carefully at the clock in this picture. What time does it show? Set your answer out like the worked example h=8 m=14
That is h=12 m=22
